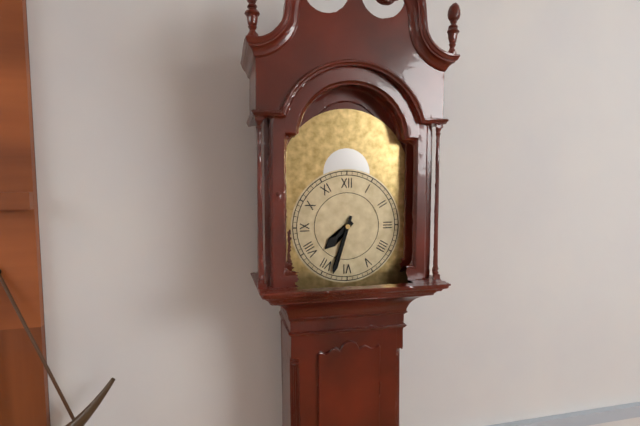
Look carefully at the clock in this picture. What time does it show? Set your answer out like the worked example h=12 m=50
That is h=7 m=33
